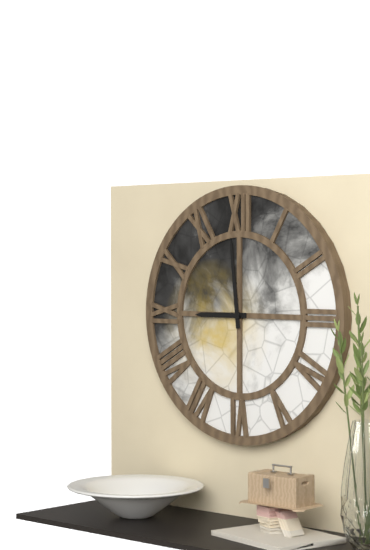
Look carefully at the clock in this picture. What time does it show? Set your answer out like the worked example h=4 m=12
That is h=8 m=59
